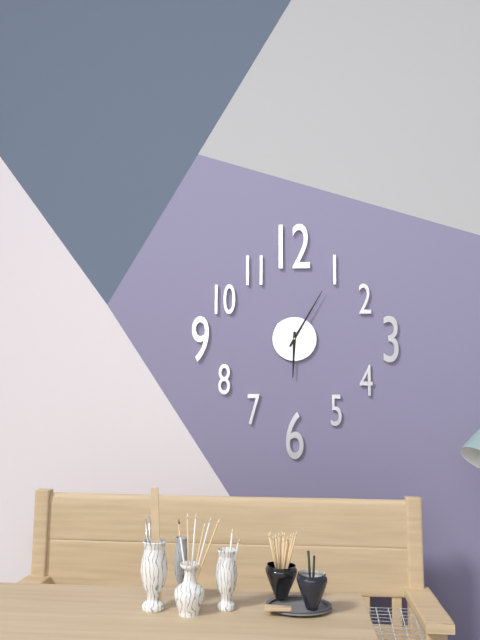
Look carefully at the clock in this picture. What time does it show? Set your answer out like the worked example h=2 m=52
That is h=6 m=5
